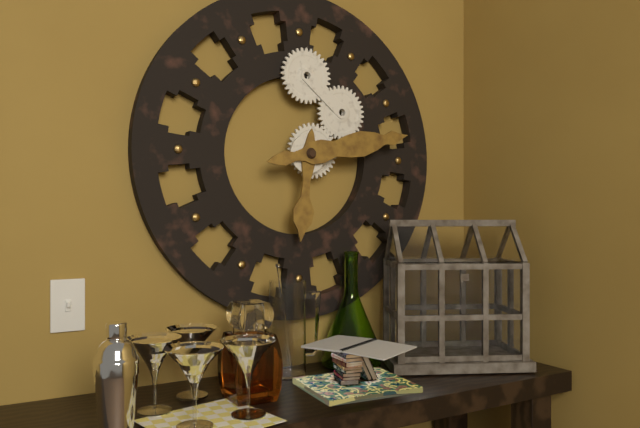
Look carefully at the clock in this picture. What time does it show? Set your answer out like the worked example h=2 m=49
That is h=6 m=13
